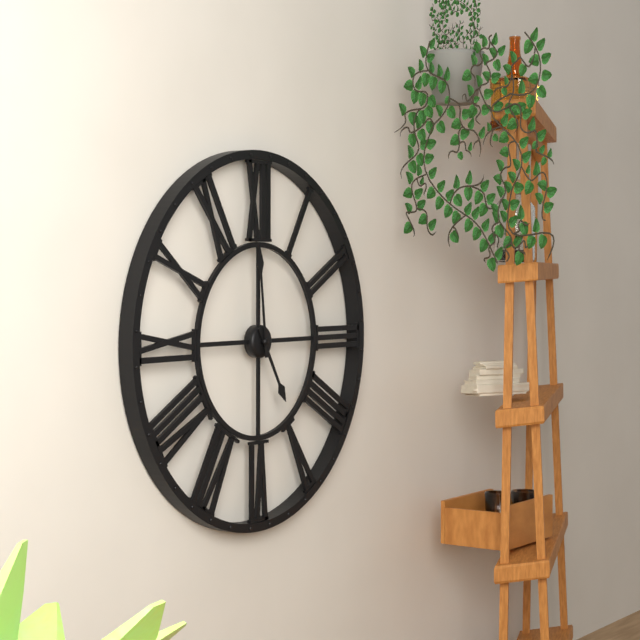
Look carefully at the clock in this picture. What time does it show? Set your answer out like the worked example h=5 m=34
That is h=4 m=59
